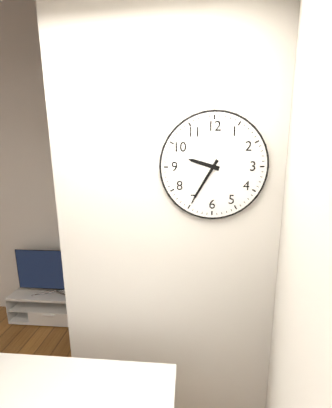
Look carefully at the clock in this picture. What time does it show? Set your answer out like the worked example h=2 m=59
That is h=9 m=35
